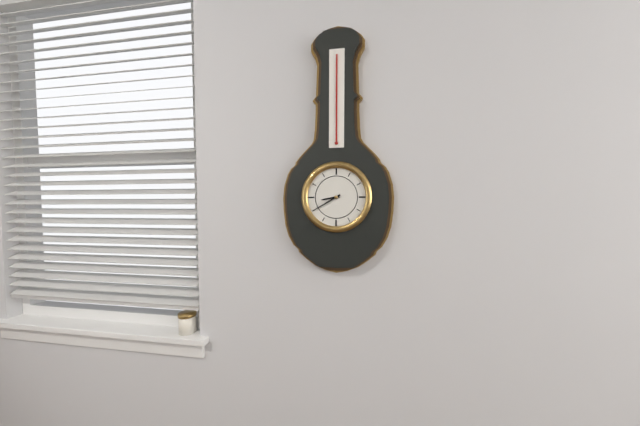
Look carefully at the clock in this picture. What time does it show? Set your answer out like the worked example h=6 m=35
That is h=8 m=40
